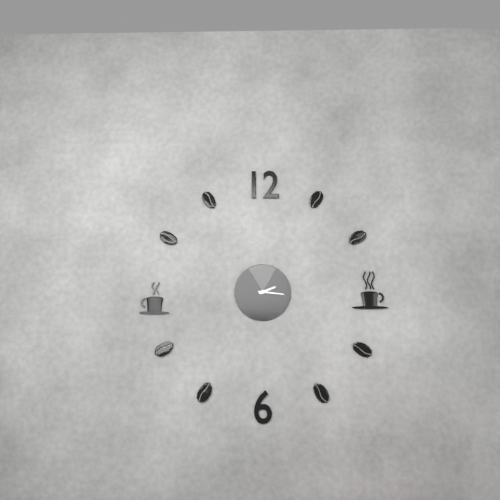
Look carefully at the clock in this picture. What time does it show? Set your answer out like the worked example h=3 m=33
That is h=2 m=16
